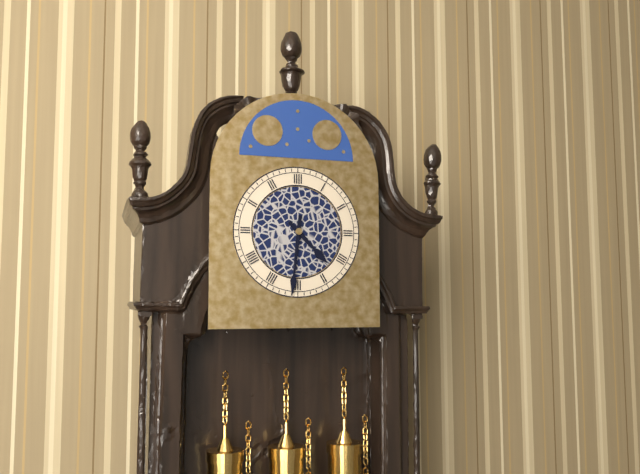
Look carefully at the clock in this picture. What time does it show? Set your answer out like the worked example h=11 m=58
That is h=4 m=31
